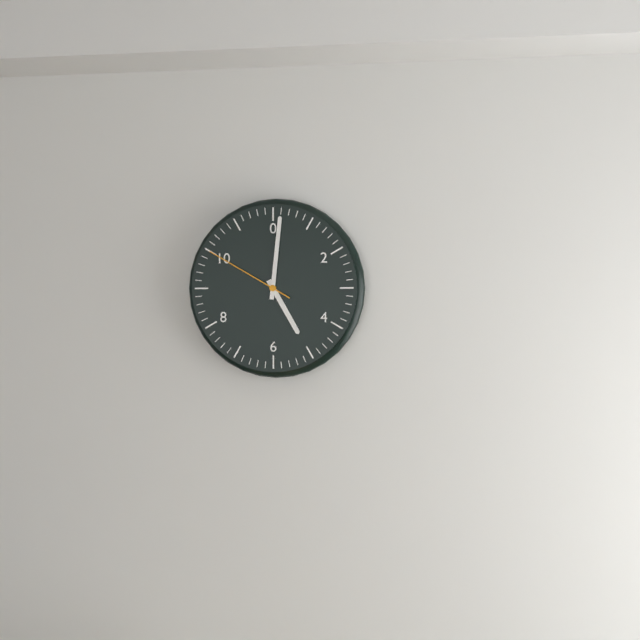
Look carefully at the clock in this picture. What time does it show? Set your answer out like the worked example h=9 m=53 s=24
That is h=5 m=1 s=50
